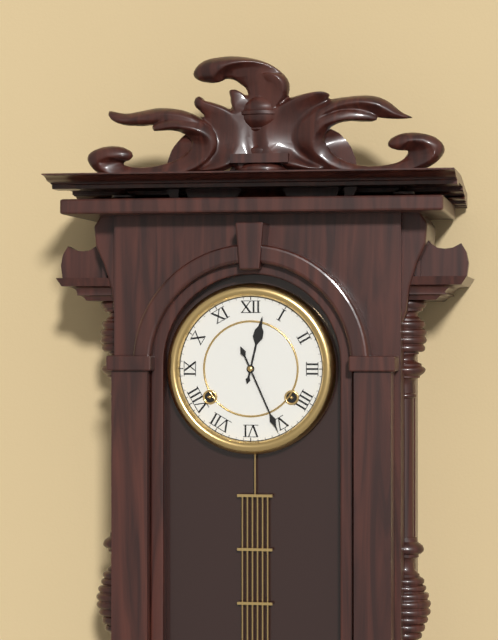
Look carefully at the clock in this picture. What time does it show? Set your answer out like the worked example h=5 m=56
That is h=12 m=26
